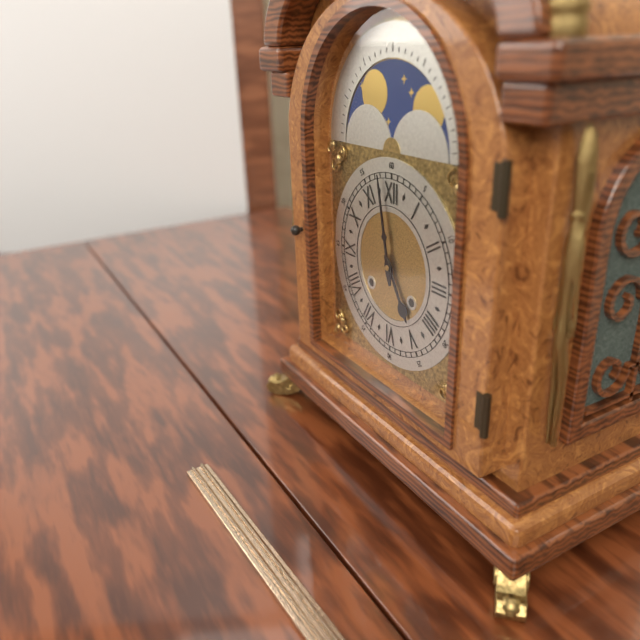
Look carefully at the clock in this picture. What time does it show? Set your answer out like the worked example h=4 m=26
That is h=4 m=58
